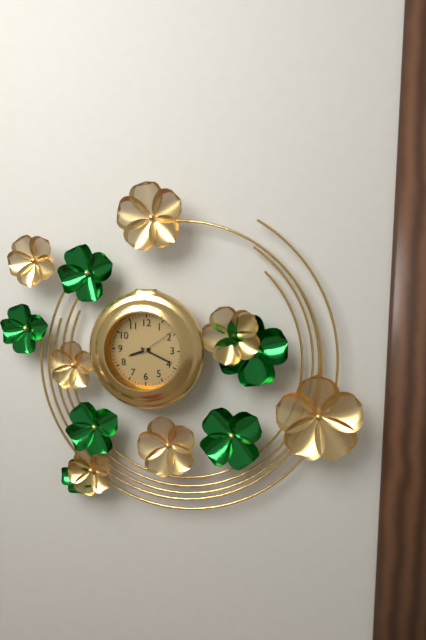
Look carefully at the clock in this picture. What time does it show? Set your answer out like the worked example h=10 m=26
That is h=8 m=19
